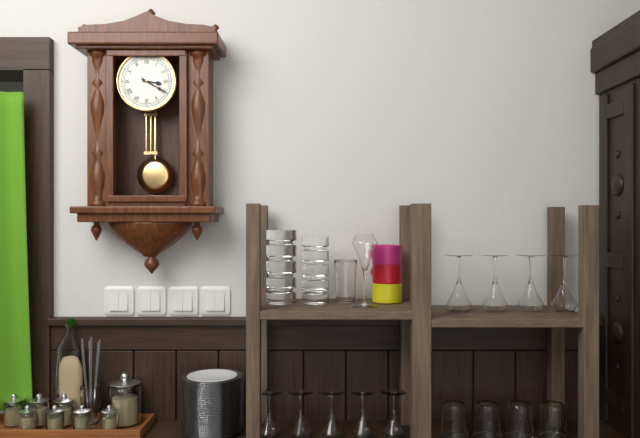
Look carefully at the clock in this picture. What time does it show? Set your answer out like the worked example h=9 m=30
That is h=3 m=20
